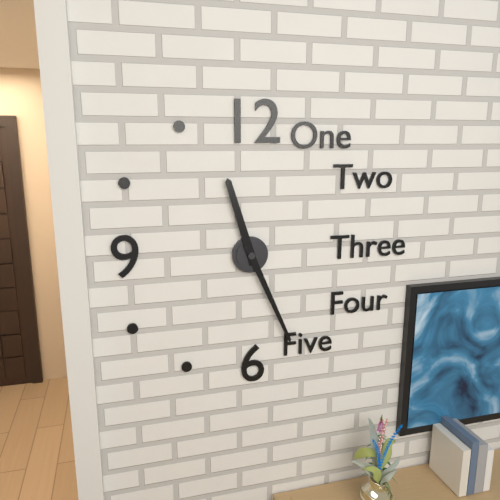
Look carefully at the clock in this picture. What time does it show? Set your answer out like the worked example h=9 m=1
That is h=11 m=26
